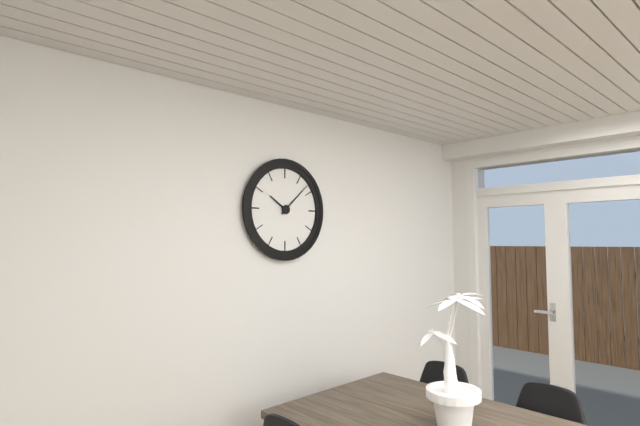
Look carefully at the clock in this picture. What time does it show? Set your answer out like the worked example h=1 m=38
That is h=10 m=8
